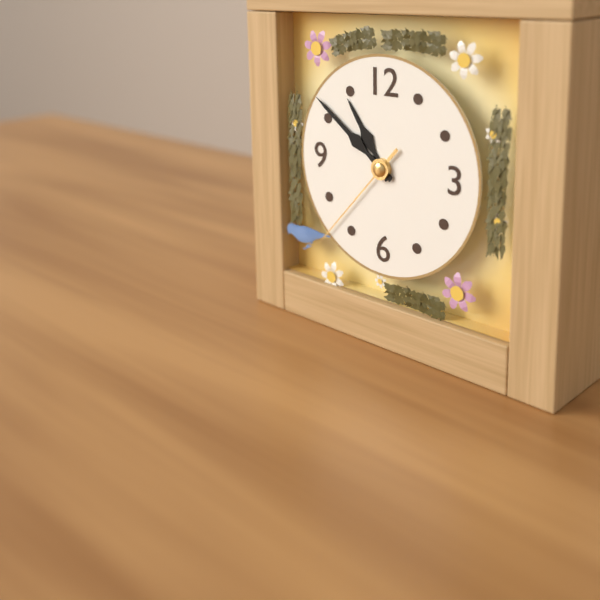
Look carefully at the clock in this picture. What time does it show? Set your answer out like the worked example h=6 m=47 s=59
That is h=10 m=51 s=37
